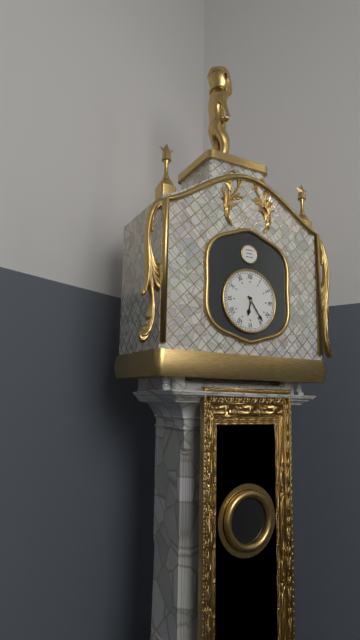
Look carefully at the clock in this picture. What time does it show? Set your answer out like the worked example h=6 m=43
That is h=6 m=24
